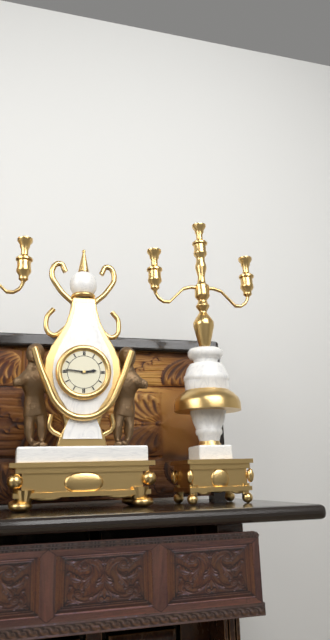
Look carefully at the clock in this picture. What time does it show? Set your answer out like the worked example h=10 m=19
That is h=2 m=46
